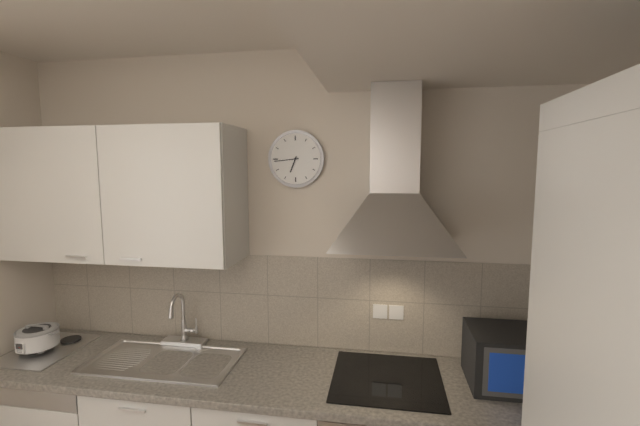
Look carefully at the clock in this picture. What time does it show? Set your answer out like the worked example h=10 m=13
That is h=6 m=44
